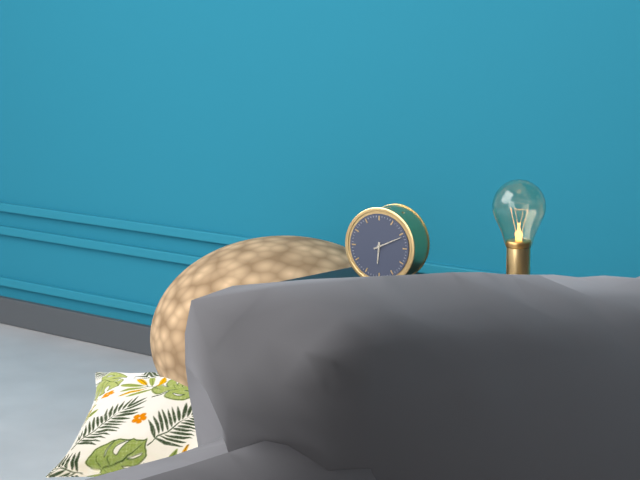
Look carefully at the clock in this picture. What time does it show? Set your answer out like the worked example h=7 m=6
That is h=6 m=11
